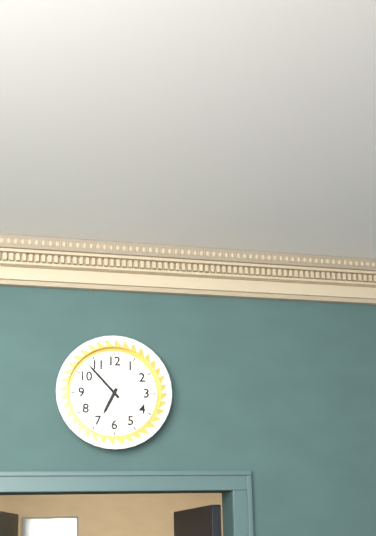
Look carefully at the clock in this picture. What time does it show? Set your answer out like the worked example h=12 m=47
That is h=6 m=53
